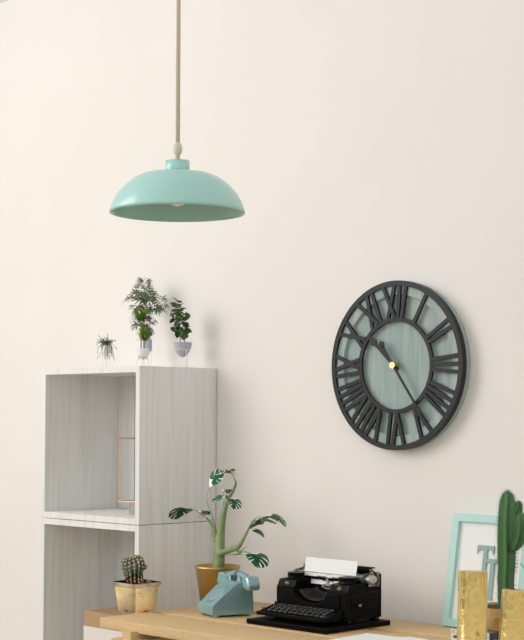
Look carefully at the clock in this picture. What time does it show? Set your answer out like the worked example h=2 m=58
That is h=10 m=24
